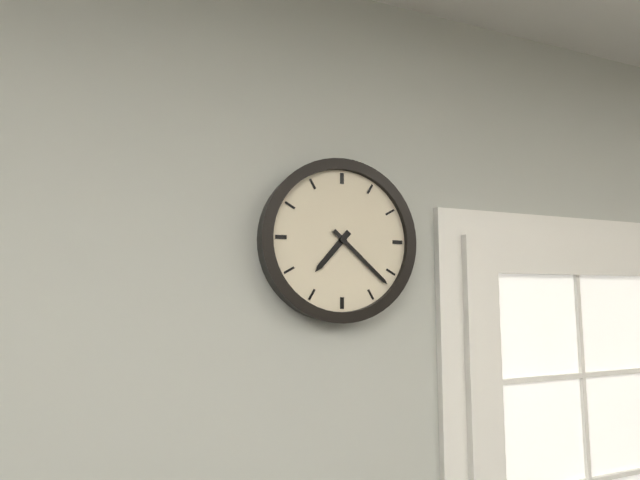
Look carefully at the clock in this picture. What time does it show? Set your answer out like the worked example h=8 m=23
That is h=7 m=22
